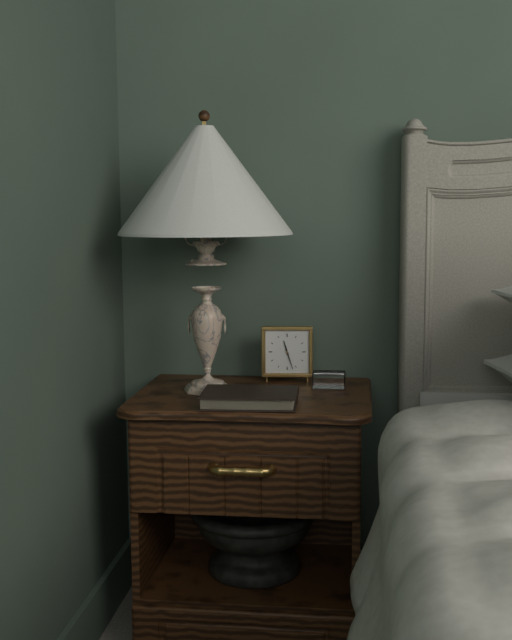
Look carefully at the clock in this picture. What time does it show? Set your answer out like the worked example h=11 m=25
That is h=11 m=27
